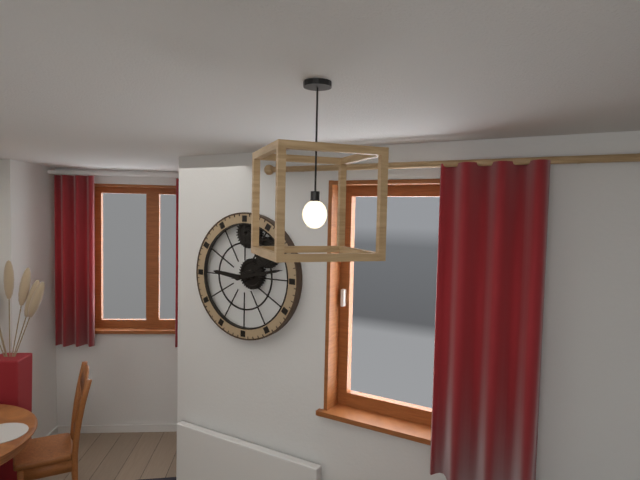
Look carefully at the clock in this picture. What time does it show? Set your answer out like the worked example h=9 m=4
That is h=9 m=13
